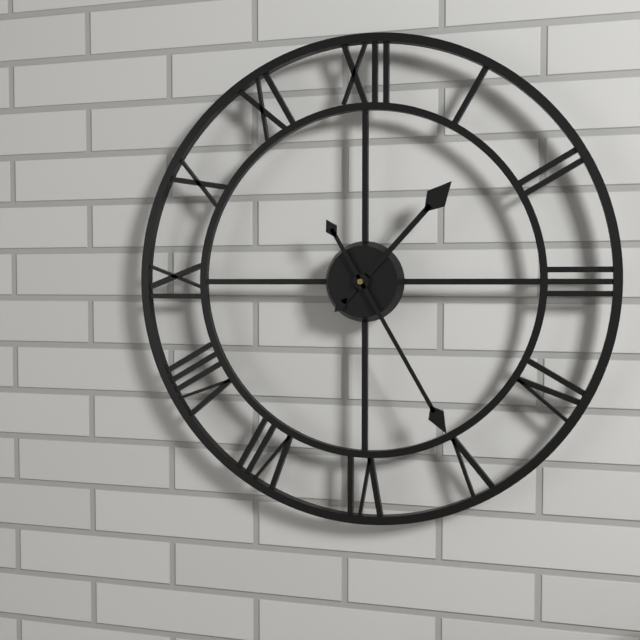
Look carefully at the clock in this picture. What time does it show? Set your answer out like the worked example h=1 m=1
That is h=1 m=25
